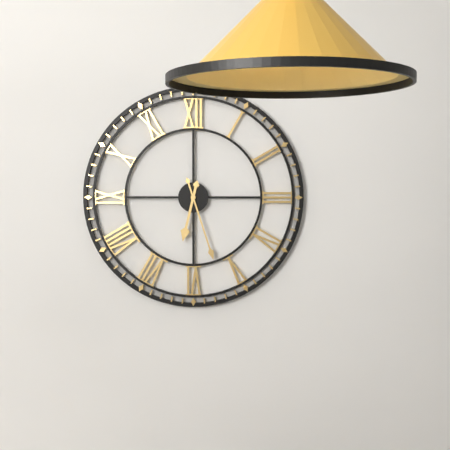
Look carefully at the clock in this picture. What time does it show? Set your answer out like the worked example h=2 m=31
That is h=6 m=27
